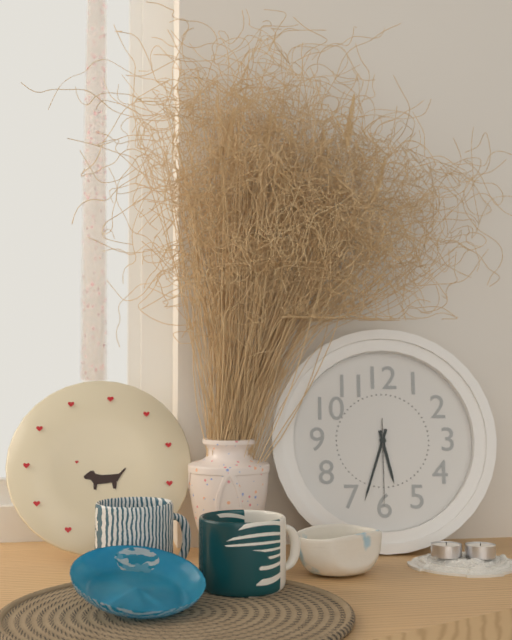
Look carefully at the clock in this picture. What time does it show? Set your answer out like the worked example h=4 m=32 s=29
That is h=5 m=33 s=30
